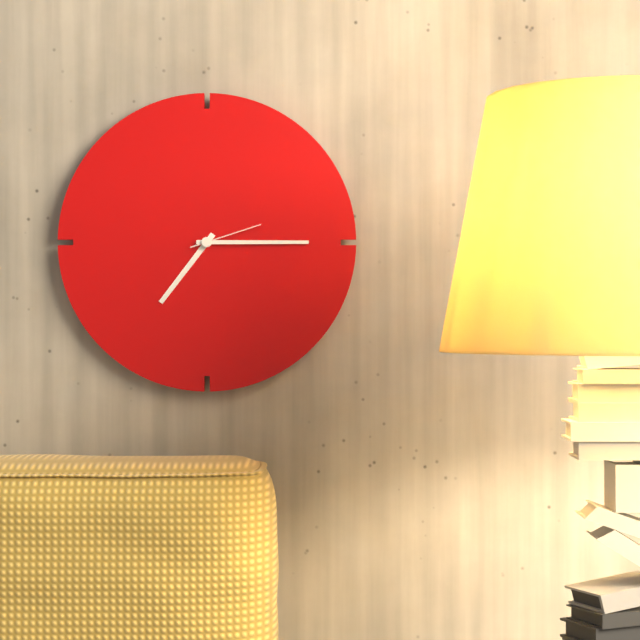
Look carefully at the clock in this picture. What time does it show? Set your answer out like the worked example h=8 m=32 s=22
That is h=7 m=15 s=12
